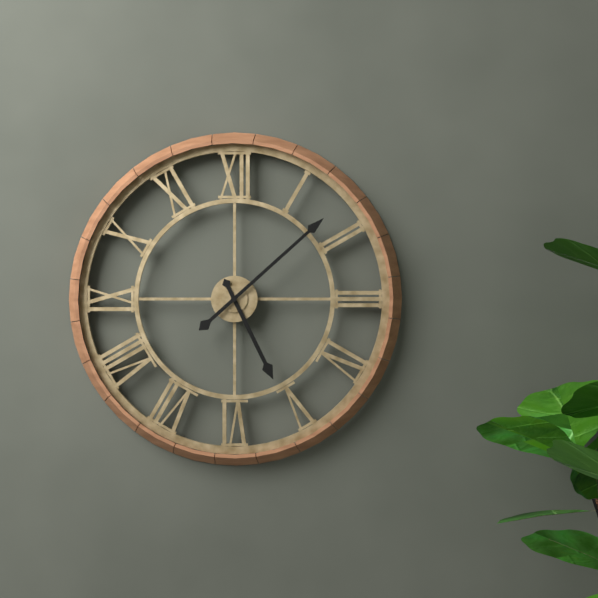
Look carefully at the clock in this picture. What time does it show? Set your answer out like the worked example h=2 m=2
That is h=5 m=8
